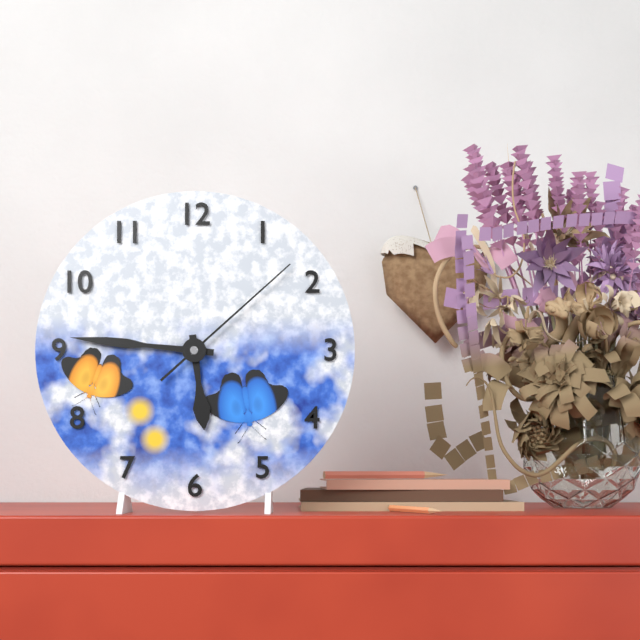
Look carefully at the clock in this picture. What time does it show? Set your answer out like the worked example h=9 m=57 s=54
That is h=5 m=46 s=8
